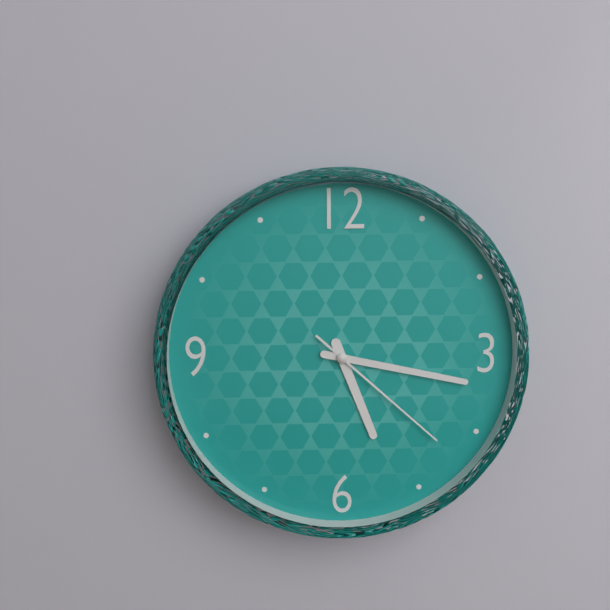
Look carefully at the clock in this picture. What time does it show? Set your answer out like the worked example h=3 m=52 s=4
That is h=5 m=17 s=22
